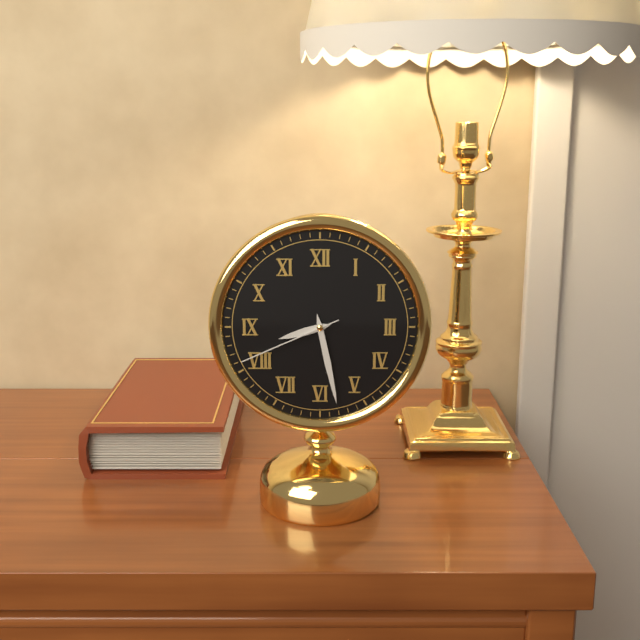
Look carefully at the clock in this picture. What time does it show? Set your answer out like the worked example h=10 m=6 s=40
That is h=8 m=28 s=41
